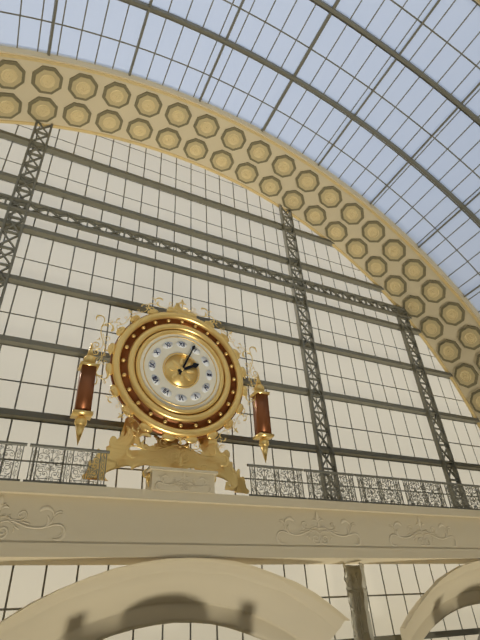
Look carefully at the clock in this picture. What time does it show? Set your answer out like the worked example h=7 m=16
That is h=2 m=4
